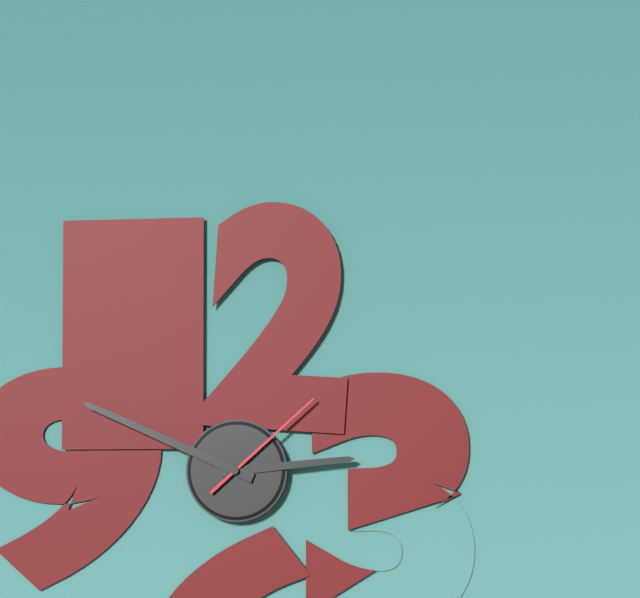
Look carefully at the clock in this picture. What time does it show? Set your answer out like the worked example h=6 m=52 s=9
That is h=2 m=49 s=8
